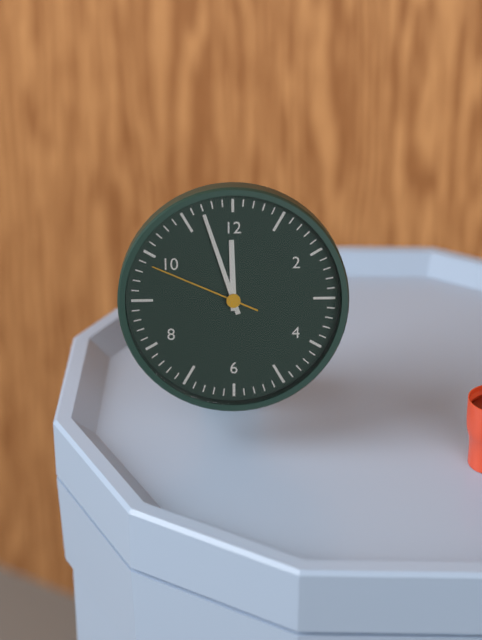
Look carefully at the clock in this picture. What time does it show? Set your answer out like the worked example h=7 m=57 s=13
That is h=11 m=57 s=49
